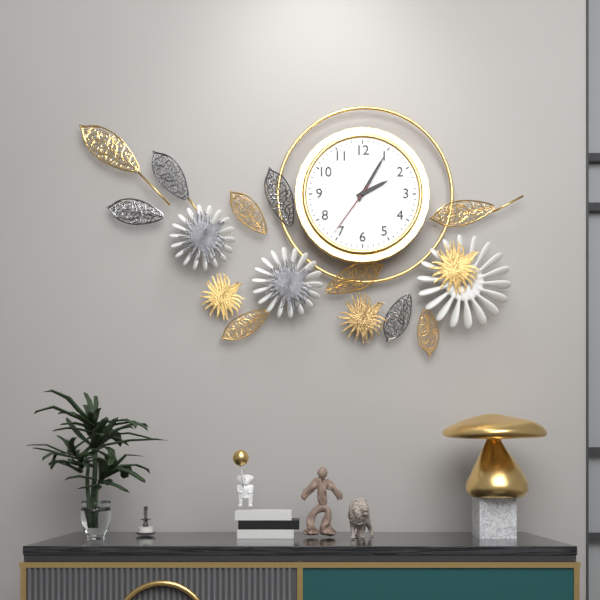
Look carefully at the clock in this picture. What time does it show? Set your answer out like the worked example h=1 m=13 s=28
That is h=2 m=5 s=36
